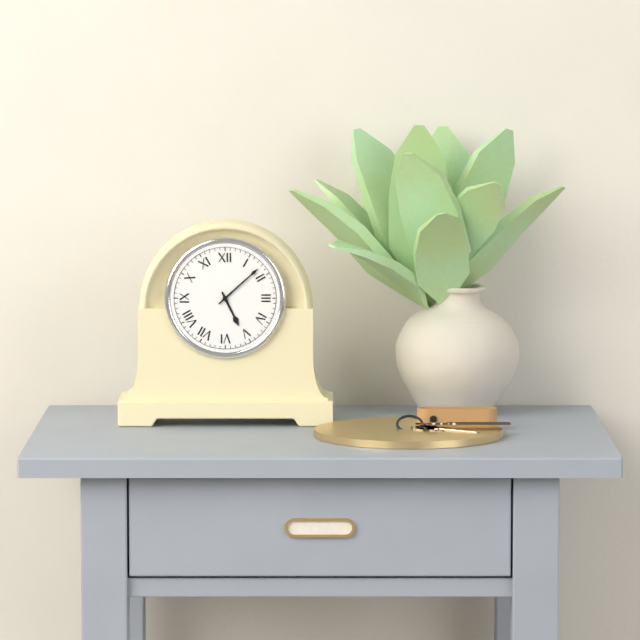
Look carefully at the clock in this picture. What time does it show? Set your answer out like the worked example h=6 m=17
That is h=5 m=8
